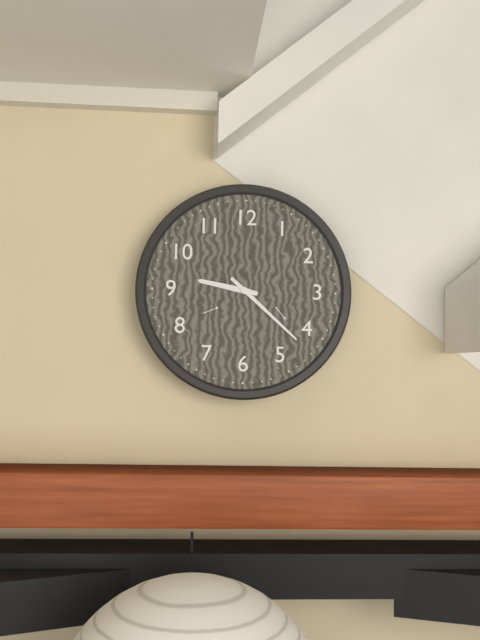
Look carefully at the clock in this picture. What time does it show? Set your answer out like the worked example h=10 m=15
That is h=9 m=22
